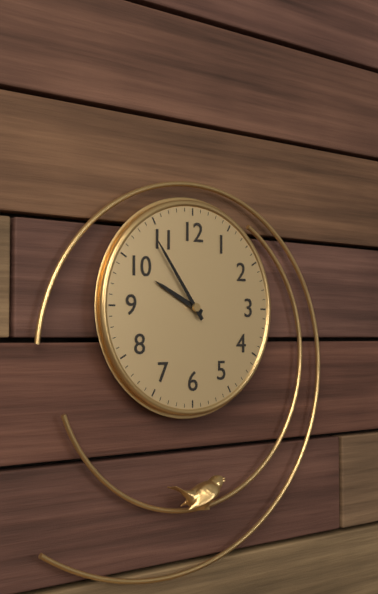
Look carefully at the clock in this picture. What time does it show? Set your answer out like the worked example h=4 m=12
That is h=9 m=54
